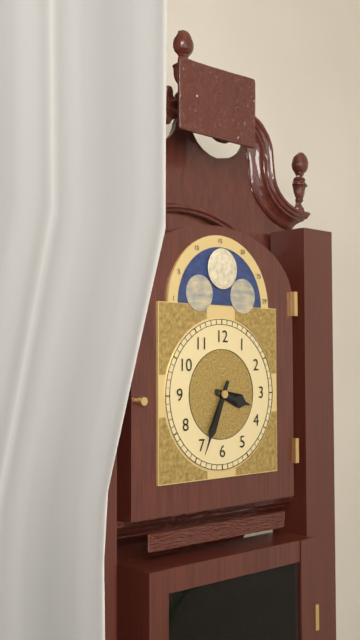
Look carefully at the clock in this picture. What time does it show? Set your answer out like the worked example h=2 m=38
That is h=3 m=34
